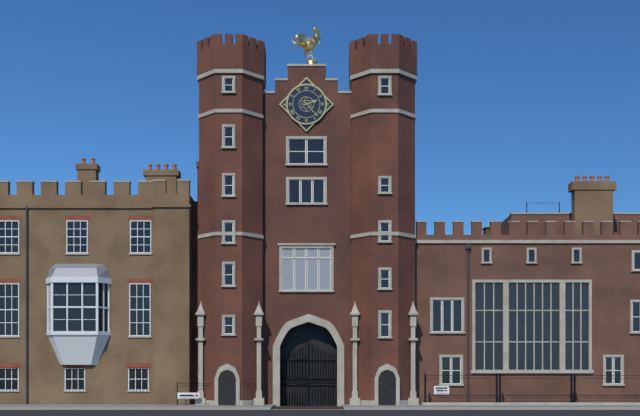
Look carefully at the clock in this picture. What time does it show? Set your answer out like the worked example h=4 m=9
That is h=2 m=23
